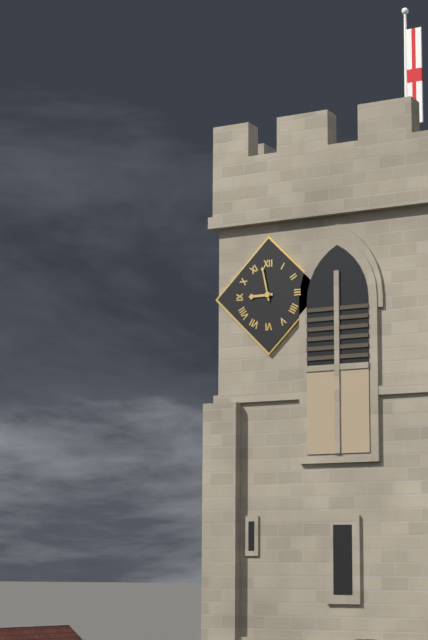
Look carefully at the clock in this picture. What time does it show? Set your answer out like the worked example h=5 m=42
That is h=8 m=58
